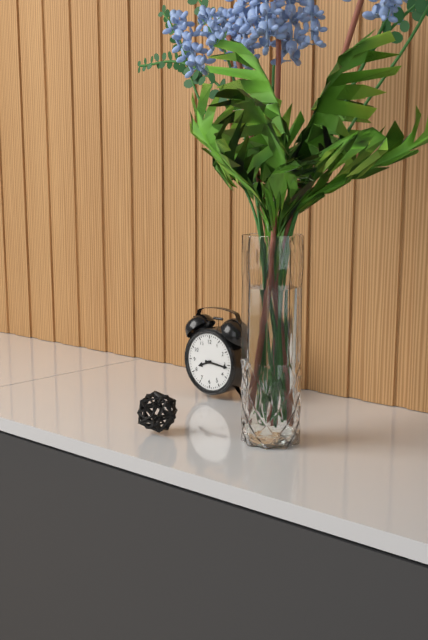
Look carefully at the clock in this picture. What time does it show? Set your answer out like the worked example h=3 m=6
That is h=8 m=16
